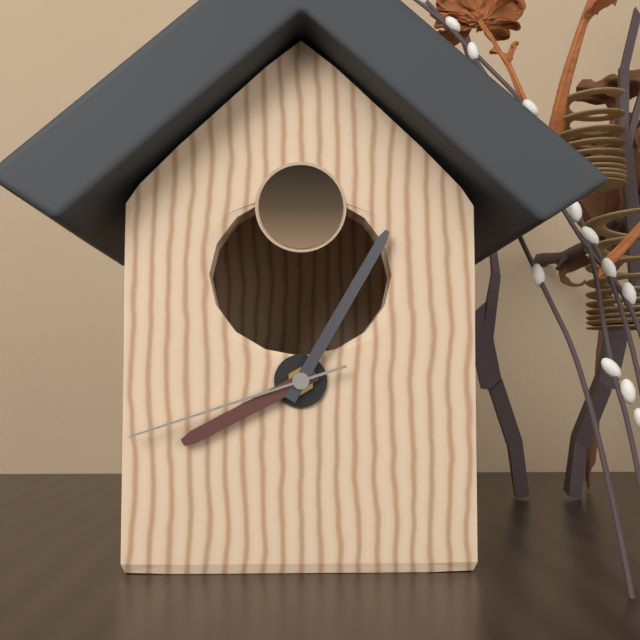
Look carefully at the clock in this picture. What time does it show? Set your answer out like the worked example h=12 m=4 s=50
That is h=8 m=5 s=42
